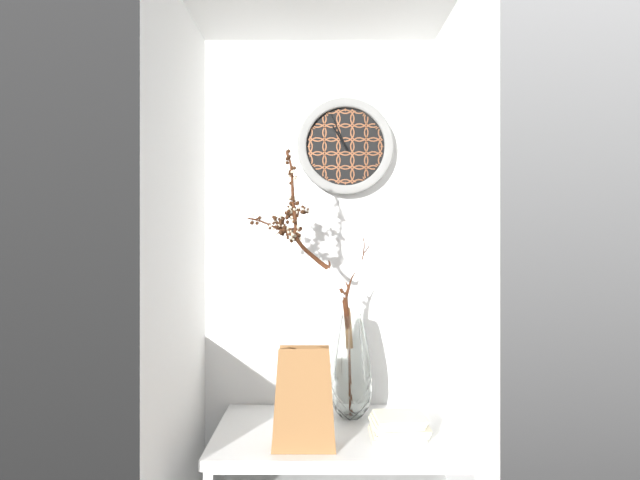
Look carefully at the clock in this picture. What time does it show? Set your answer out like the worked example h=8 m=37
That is h=10 m=56
